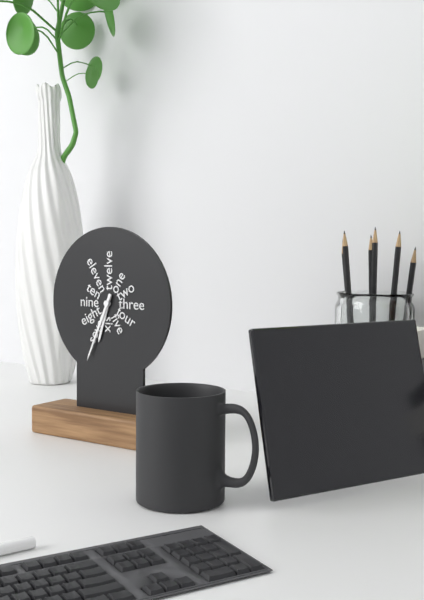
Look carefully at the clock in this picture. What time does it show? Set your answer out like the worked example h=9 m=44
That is h=6 m=34
